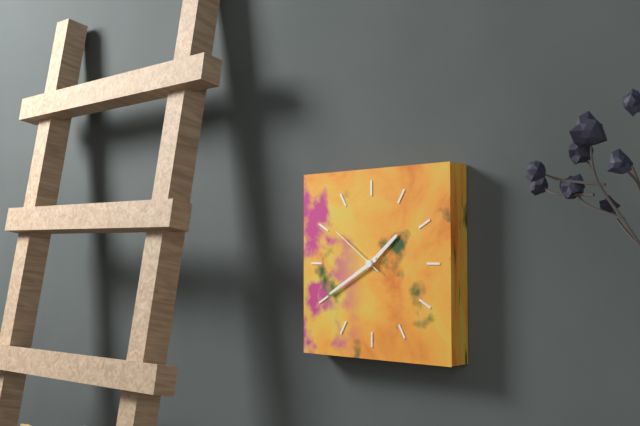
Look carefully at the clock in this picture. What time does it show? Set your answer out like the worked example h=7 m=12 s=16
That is h=1 m=40 s=51
